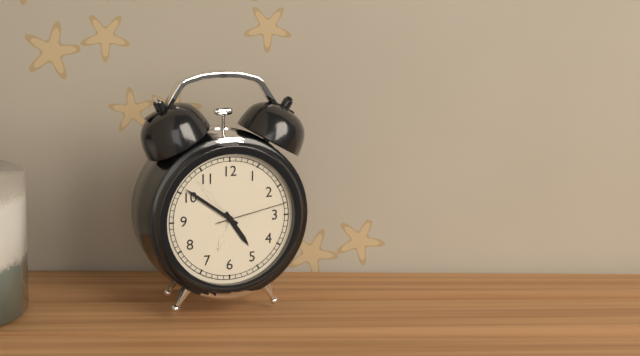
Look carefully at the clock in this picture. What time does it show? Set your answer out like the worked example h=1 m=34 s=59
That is h=4 m=51 s=13
